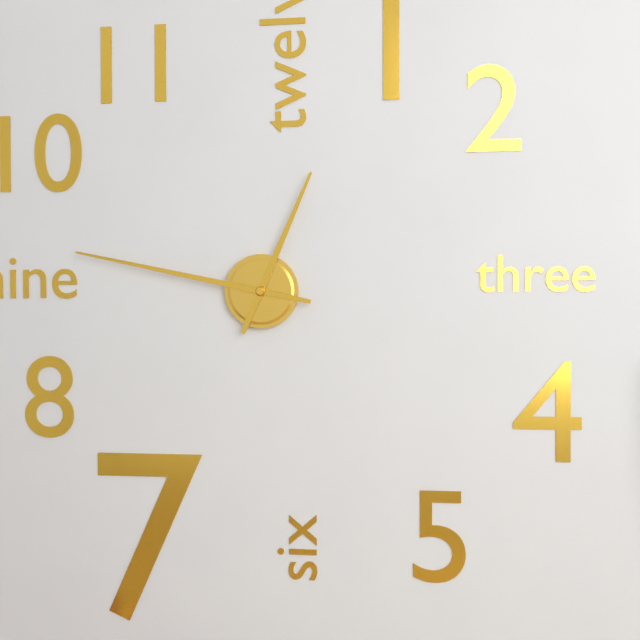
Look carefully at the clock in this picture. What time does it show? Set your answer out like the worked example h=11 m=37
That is h=12 m=47
